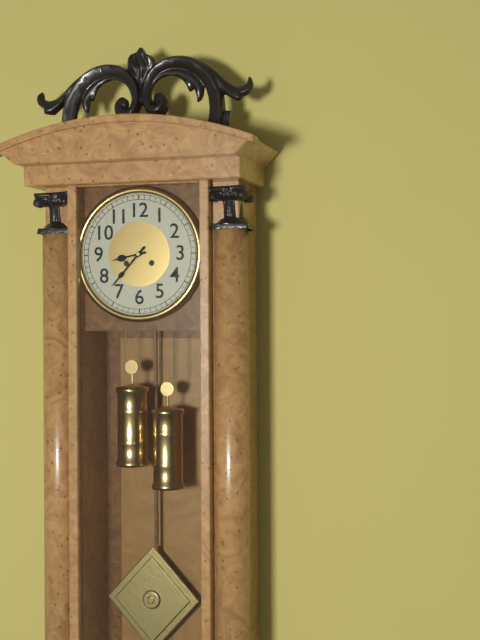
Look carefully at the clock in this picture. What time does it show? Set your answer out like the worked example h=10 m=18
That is h=8 m=37
